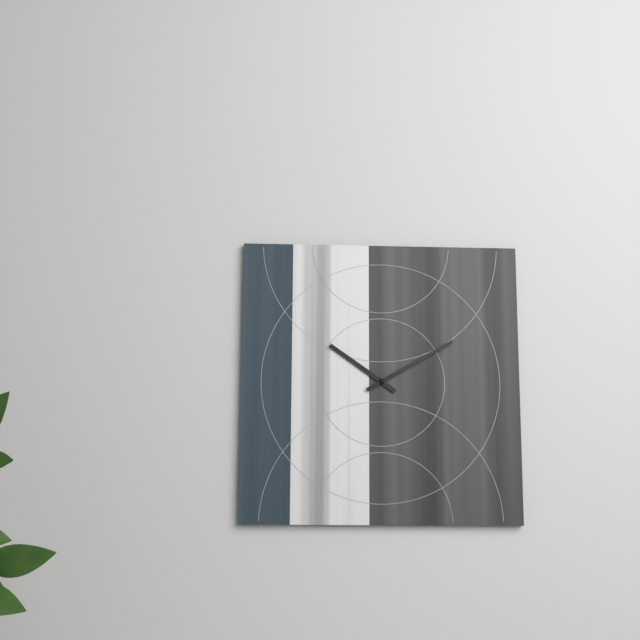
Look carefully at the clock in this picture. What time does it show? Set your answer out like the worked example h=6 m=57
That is h=10 m=10
